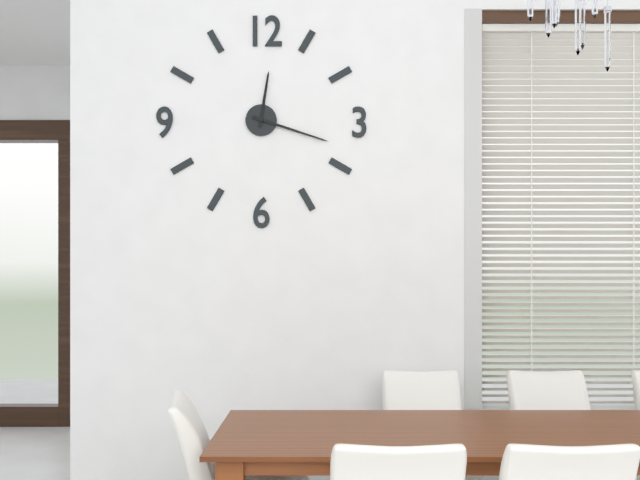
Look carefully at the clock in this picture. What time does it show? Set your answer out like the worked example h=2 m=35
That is h=12 m=18
